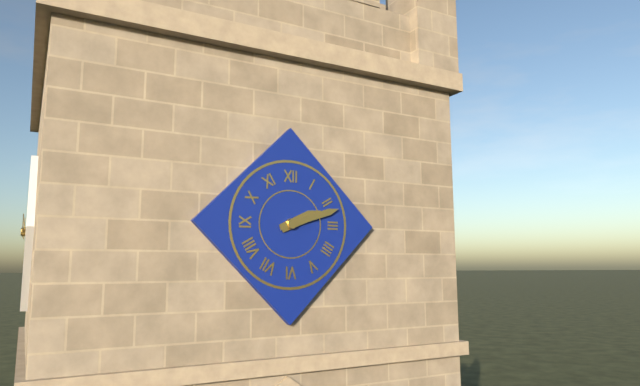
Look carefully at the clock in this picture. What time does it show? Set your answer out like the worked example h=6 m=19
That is h=2 m=12
